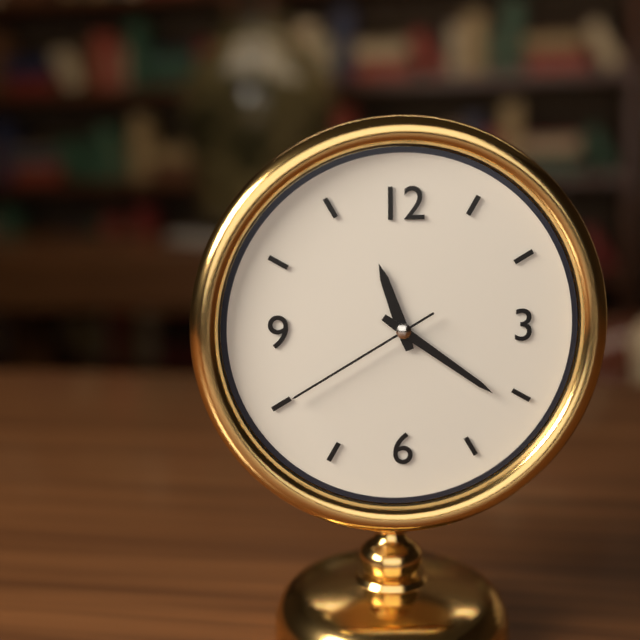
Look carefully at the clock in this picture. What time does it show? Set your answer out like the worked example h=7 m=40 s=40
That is h=11 m=21 s=40
